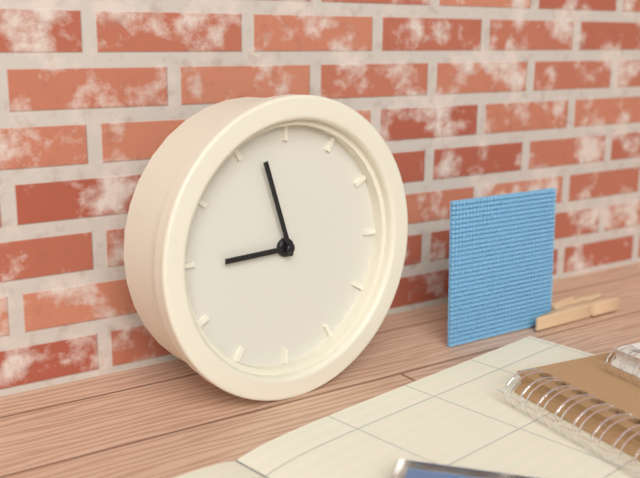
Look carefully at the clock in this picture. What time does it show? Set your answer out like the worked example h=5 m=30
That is h=8 m=57
